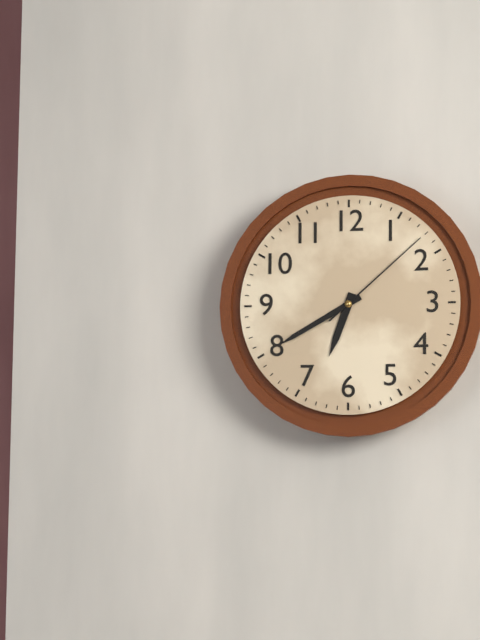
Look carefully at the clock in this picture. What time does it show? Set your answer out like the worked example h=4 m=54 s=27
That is h=6 m=40 s=8
